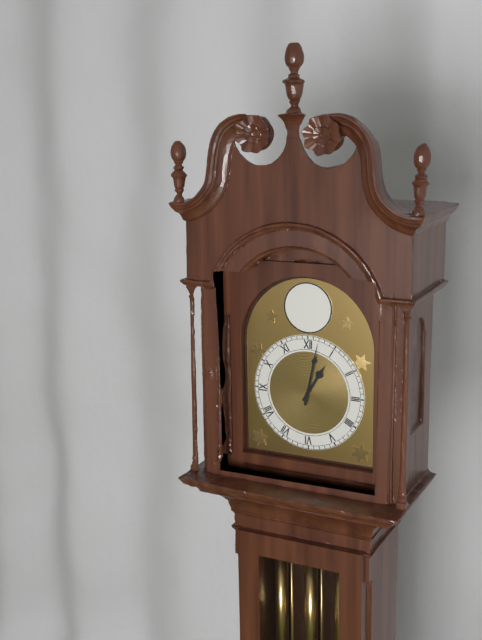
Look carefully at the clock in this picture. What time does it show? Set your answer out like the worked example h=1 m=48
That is h=1 m=2
